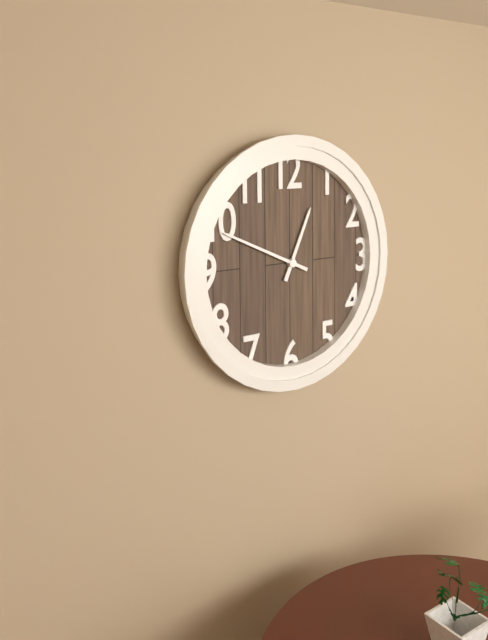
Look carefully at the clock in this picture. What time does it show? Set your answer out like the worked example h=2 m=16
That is h=12 m=49
